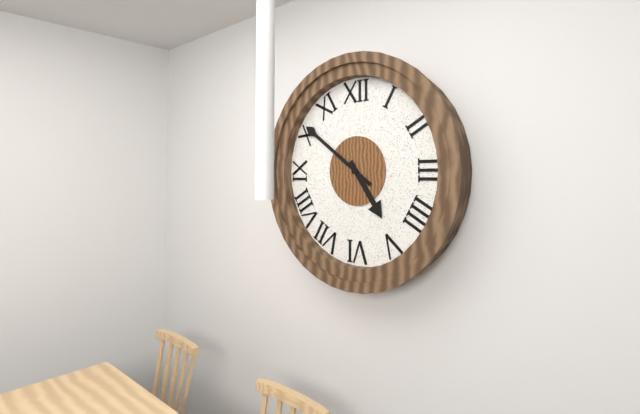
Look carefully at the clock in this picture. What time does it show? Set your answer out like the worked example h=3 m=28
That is h=4 m=51
